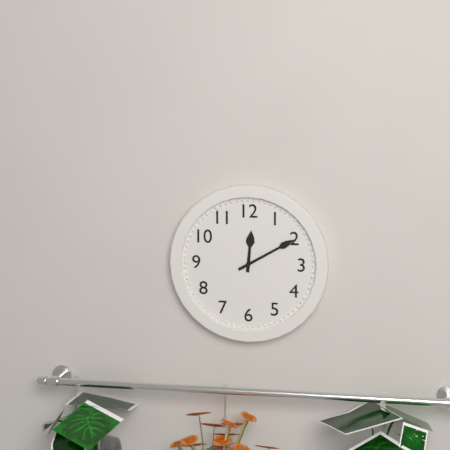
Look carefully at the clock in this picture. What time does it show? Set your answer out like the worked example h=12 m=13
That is h=12 m=10
